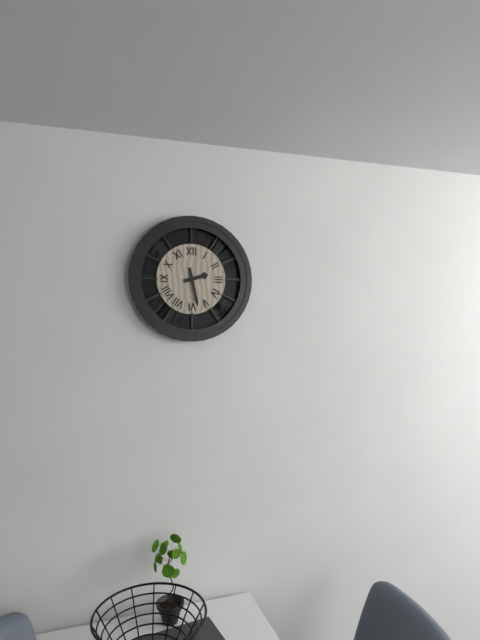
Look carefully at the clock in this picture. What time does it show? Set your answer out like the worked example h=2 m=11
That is h=2 m=28
